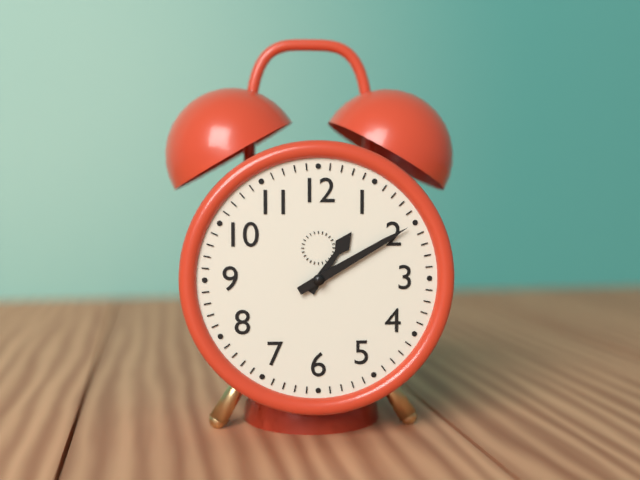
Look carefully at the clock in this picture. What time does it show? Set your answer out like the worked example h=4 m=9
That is h=1 m=10
